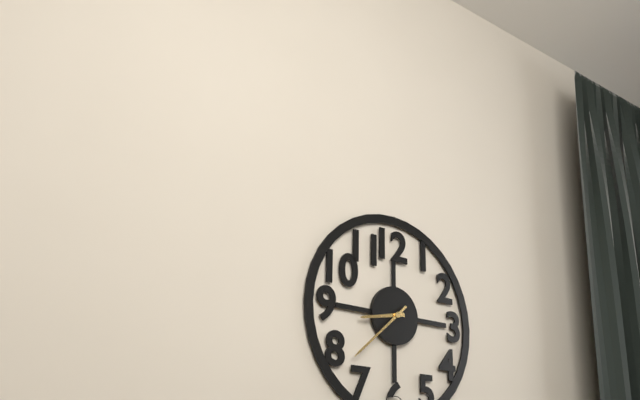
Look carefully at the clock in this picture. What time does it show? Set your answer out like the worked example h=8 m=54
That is h=8 m=38
